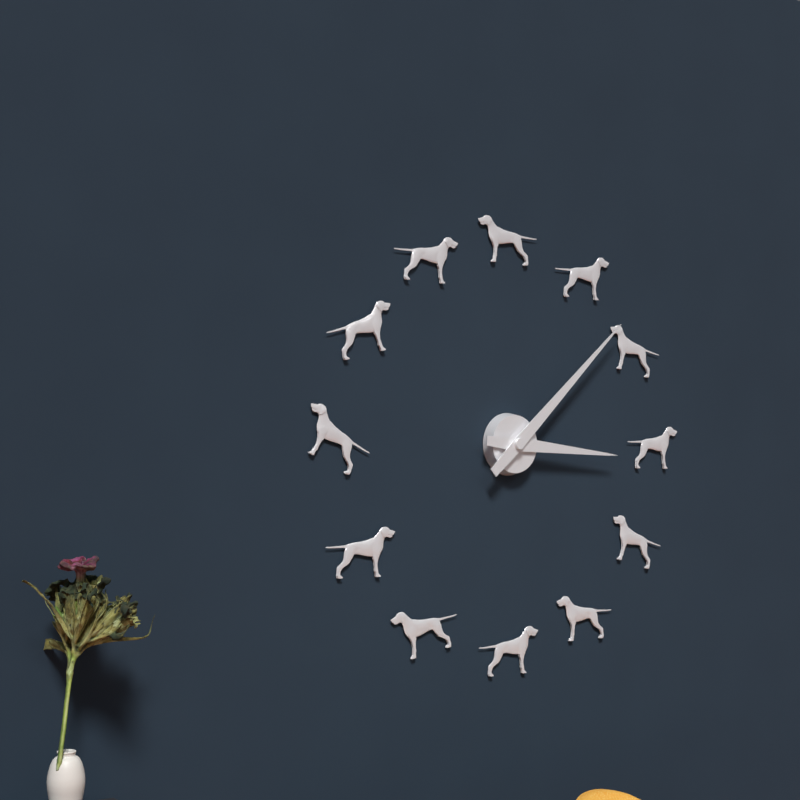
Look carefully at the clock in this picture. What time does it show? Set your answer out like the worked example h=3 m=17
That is h=3 m=8
